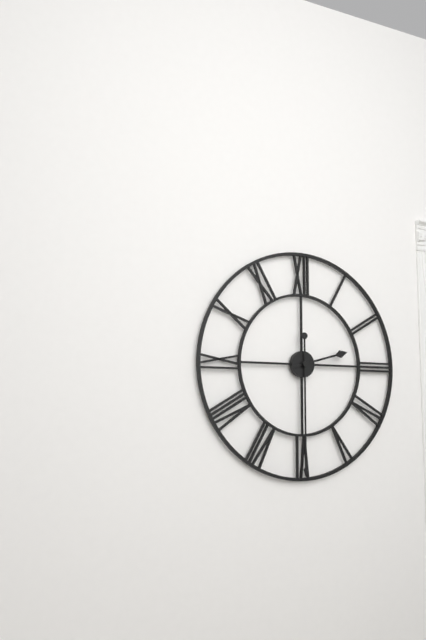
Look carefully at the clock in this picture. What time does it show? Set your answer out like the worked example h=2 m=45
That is h=2 m=30
